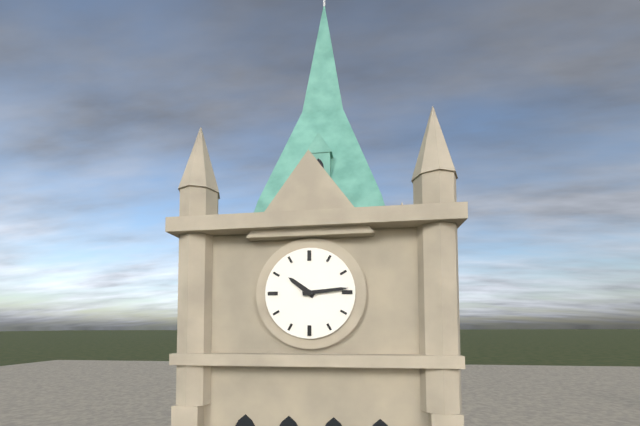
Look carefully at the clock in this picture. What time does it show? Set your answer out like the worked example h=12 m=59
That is h=10 m=14
